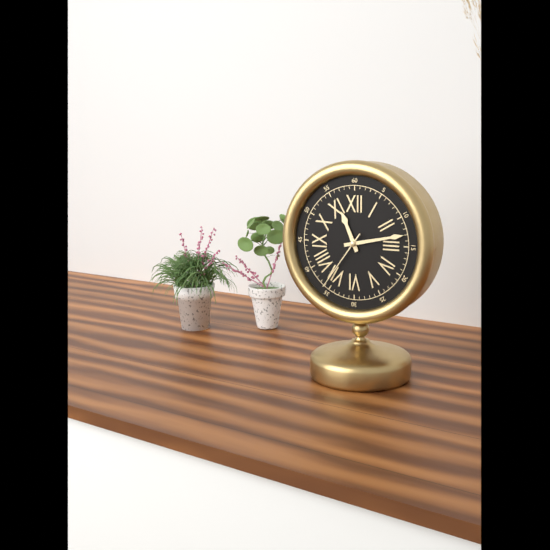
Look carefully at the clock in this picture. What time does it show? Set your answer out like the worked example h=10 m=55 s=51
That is h=11 m=13 s=36
